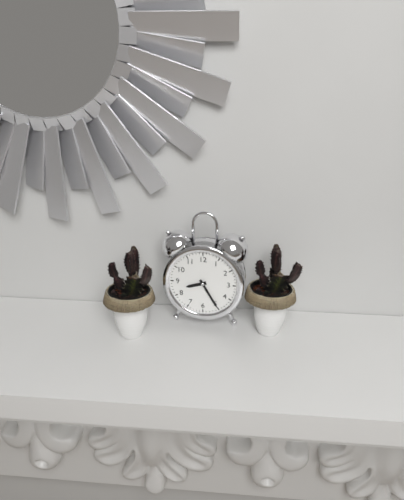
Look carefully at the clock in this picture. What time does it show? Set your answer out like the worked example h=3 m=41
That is h=8 m=25
